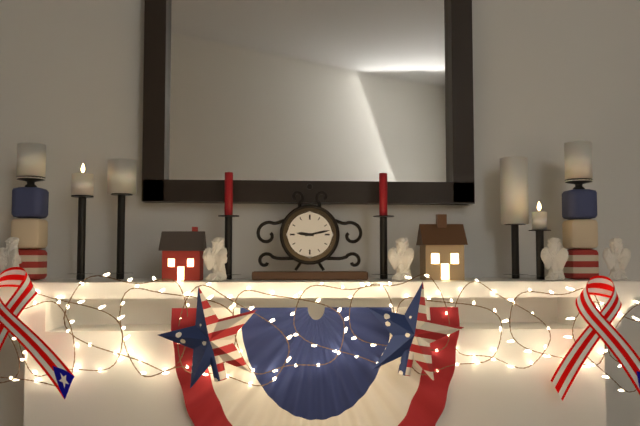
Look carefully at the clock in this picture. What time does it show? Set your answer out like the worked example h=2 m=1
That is h=9 m=13
